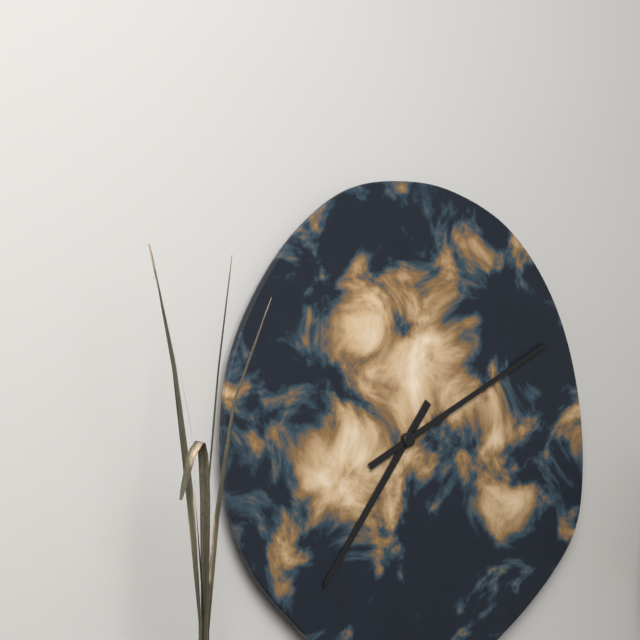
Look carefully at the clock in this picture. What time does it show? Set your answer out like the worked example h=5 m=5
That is h=7 m=10
